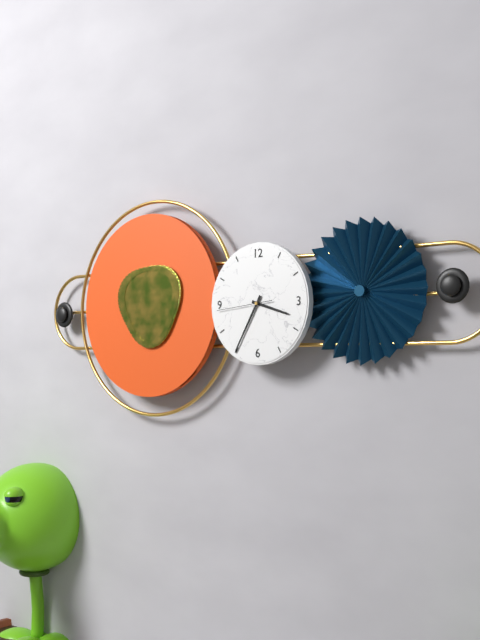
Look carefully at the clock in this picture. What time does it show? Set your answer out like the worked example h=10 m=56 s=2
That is h=3 m=35 s=44
